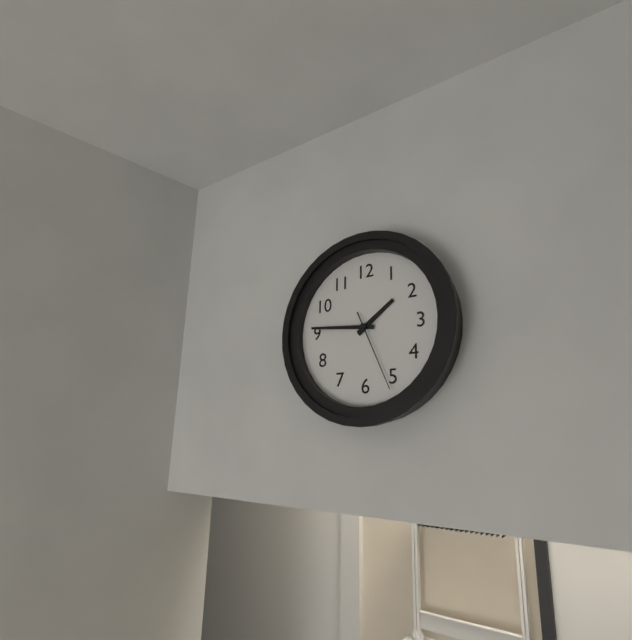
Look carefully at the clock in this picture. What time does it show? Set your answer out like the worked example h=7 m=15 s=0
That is h=1 m=46 s=26
